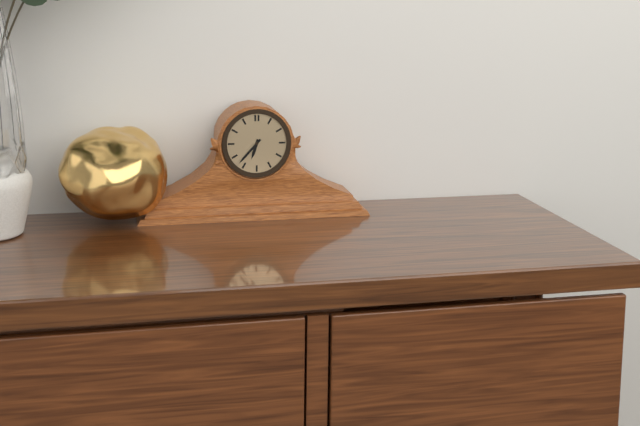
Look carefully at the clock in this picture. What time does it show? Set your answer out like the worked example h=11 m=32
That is h=6 m=37
